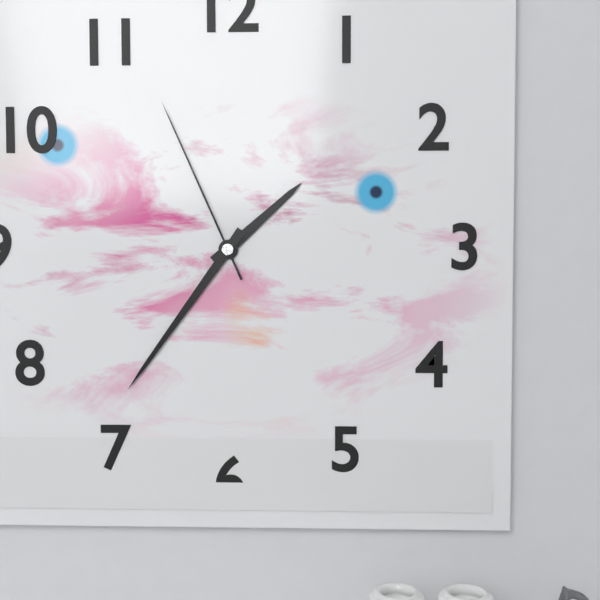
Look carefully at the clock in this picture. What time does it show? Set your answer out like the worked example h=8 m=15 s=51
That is h=1 m=36 s=56
